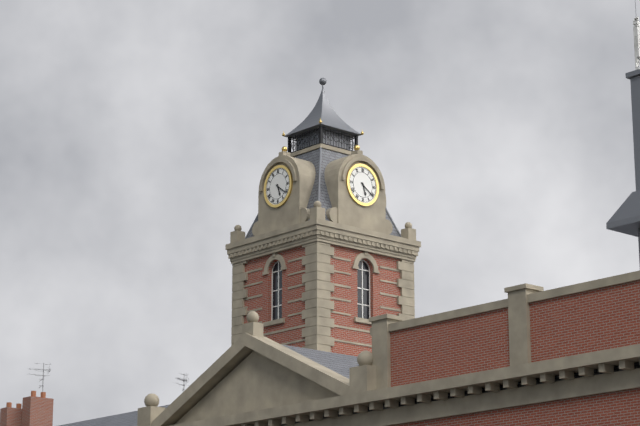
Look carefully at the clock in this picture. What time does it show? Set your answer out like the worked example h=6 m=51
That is h=5 m=21
